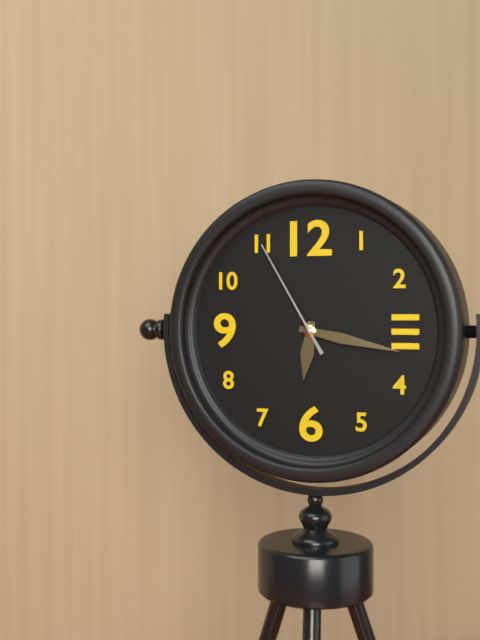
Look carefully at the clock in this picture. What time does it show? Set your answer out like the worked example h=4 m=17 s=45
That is h=6 m=17 s=55
